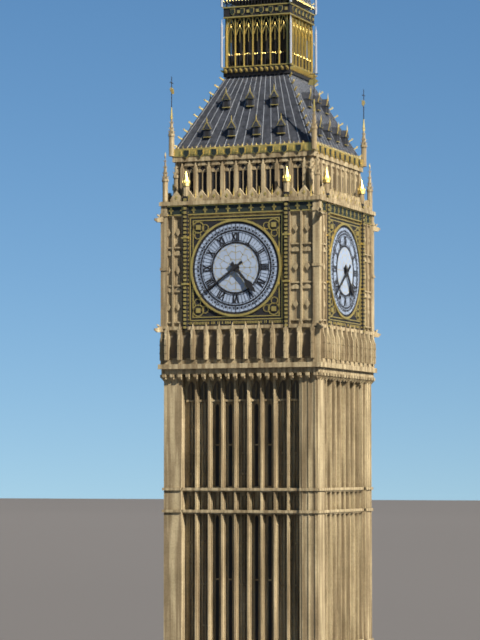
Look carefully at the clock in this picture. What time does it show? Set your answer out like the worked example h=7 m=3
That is h=4 m=39
